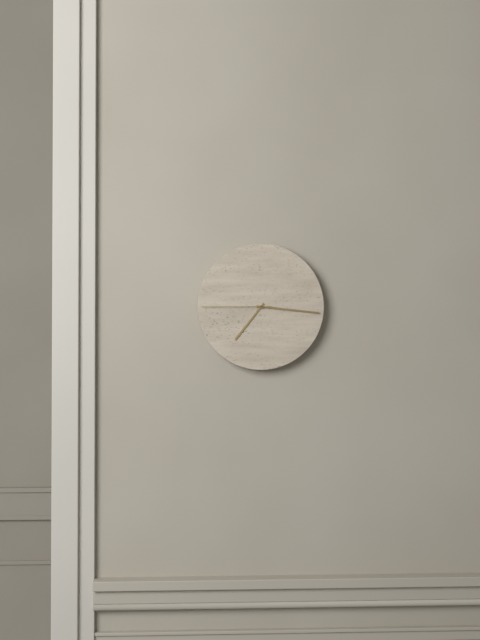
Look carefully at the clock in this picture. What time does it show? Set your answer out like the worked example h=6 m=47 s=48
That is h=7 m=16 s=45
